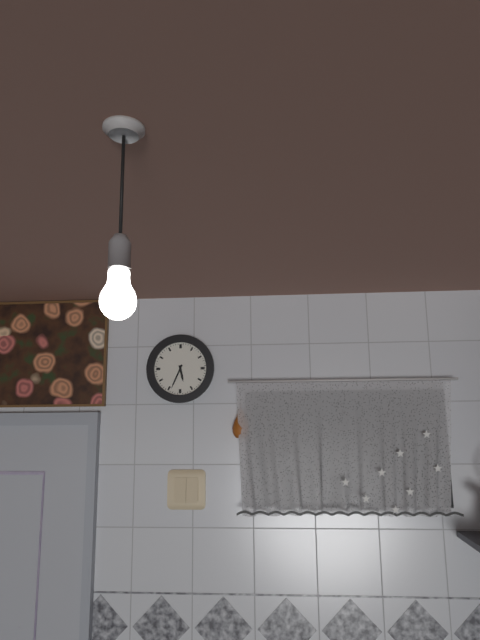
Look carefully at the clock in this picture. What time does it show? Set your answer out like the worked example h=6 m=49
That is h=5 m=34
